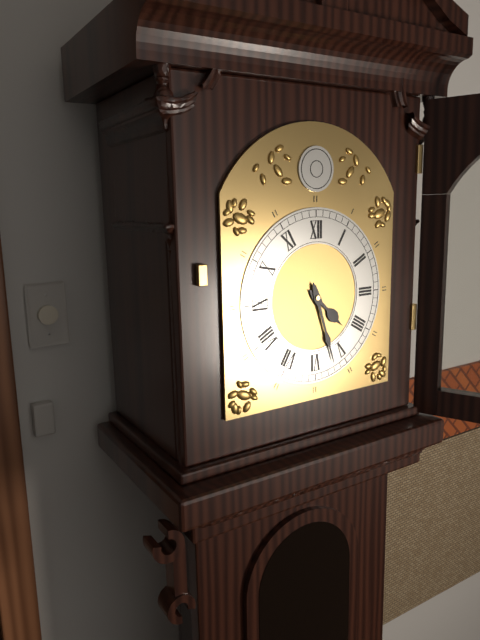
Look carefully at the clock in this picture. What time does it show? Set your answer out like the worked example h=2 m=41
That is h=4 m=27
